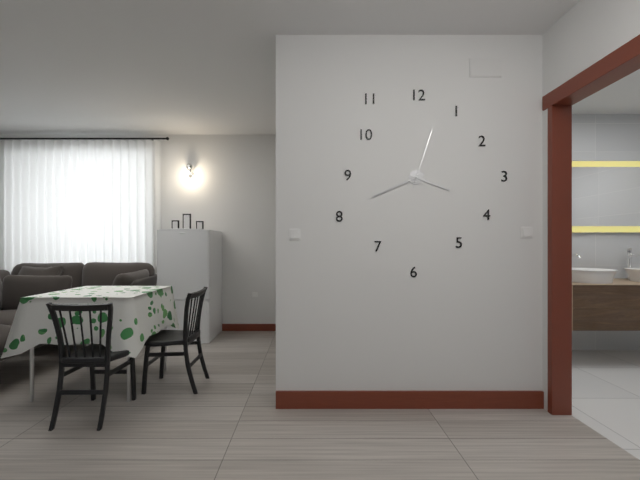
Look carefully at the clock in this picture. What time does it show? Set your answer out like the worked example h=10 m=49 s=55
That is h=3 m=41 s=3
